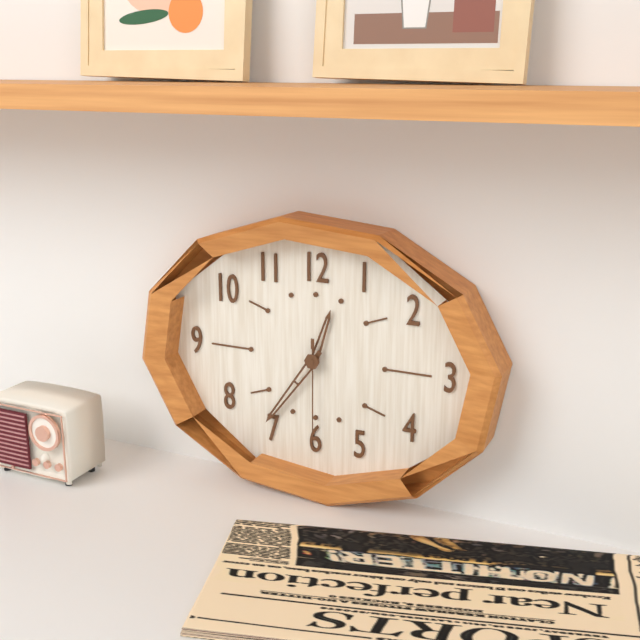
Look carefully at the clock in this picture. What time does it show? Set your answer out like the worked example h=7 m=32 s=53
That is h=12 m=36 s=30
